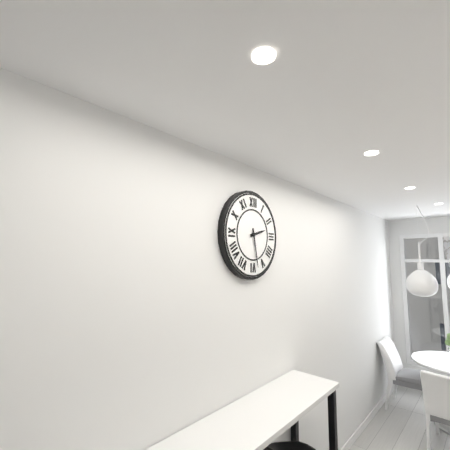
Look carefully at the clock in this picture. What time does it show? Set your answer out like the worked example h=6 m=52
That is h=2 m=28
